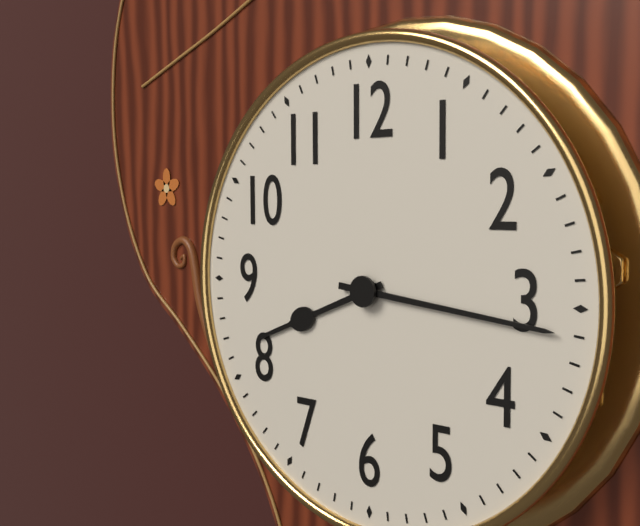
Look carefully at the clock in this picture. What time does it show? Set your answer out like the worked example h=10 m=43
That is h=8 m=16
